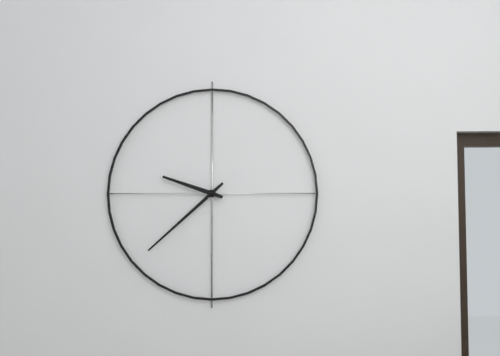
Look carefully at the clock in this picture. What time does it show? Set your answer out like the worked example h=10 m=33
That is h=9 m=38
